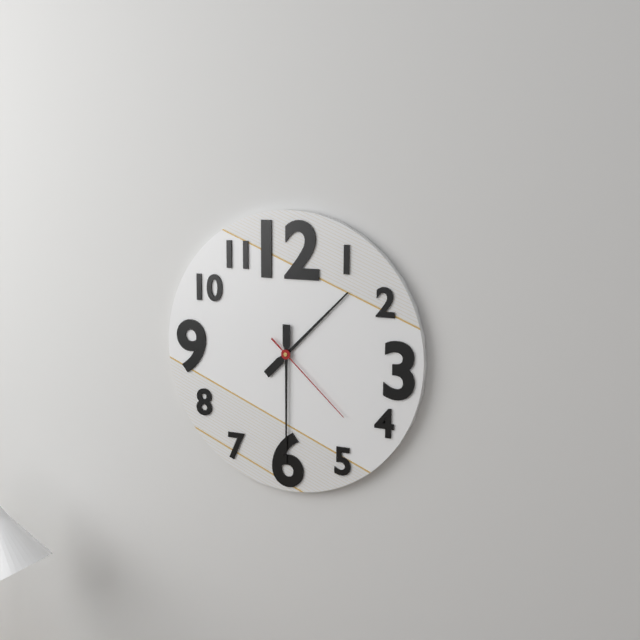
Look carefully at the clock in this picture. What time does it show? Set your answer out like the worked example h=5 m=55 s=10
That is h=1 m=30 s=22
